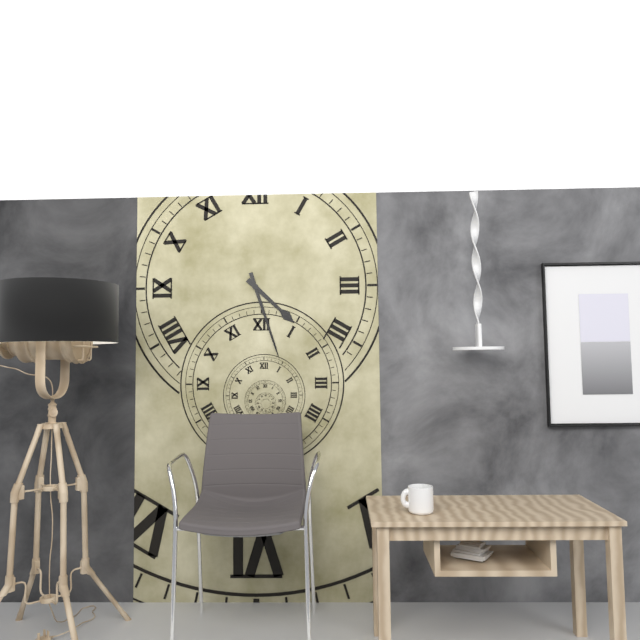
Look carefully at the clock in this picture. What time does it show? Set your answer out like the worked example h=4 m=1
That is h=4 m=27
